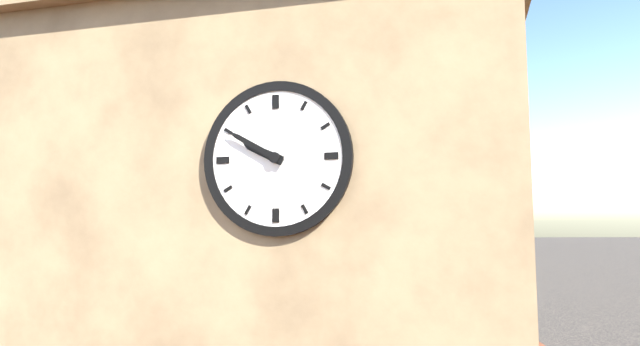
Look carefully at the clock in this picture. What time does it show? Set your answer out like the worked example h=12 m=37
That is h=9 m=50
